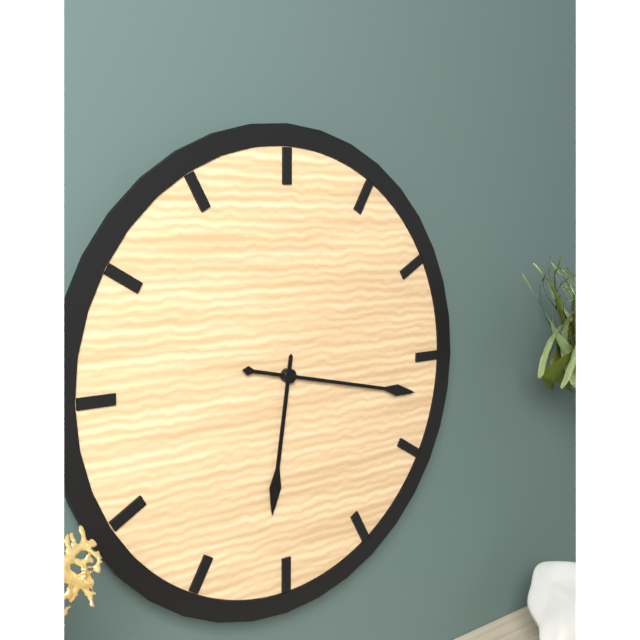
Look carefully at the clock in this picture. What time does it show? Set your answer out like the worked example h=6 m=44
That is h=6 m=17
